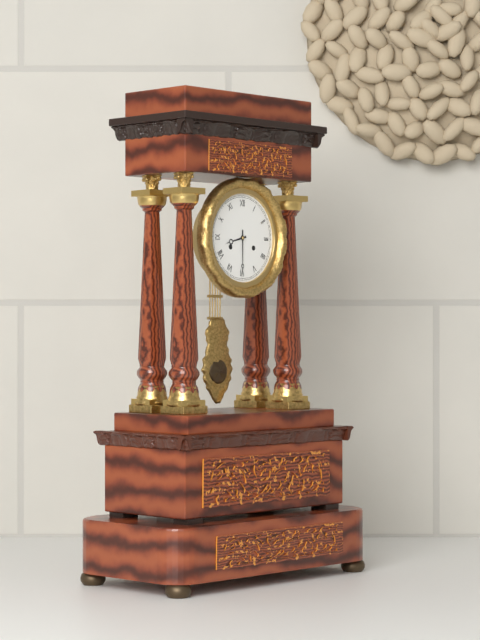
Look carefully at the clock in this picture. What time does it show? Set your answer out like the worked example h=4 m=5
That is h=8 m=30
